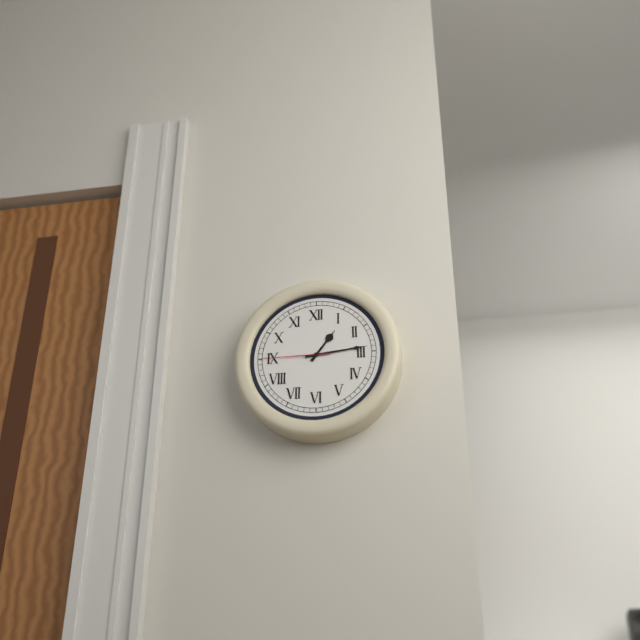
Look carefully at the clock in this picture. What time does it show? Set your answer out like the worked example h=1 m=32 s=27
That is h=1 m=14 s=45
